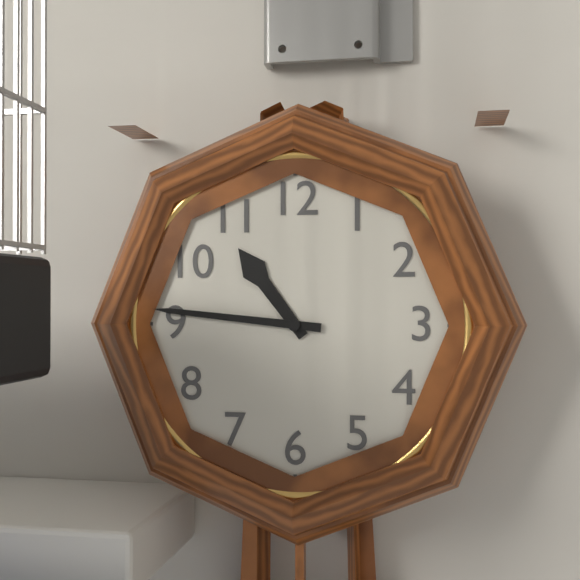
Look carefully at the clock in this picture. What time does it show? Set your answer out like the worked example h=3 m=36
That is h=10 m=46
